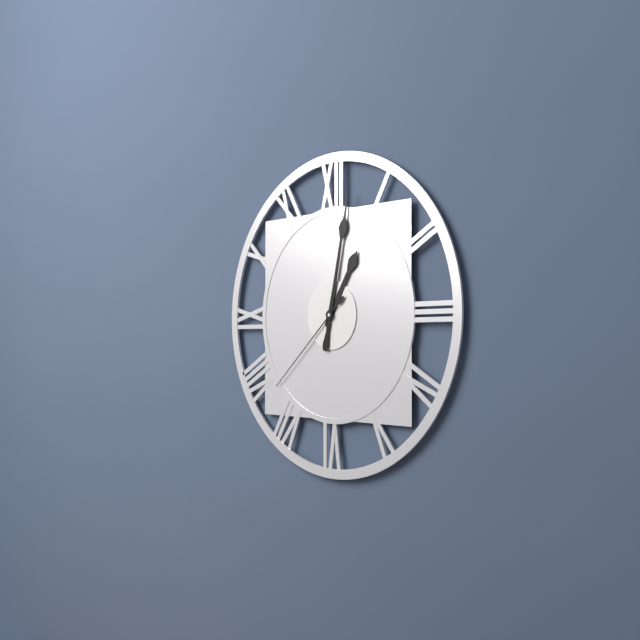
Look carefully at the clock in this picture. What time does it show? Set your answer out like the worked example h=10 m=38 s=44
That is h=1 m=2 s=38
